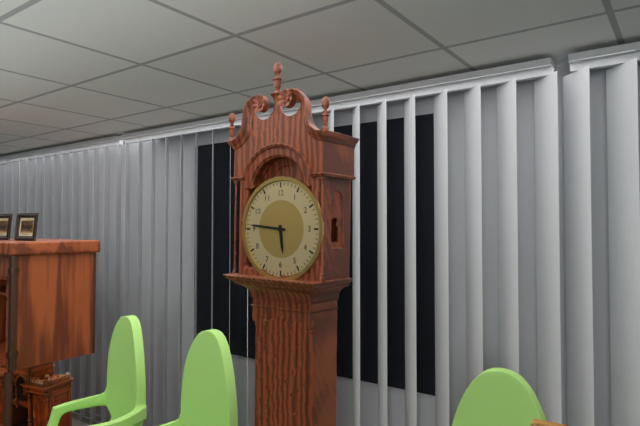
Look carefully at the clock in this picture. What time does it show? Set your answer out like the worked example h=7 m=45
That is h=5 m=46
